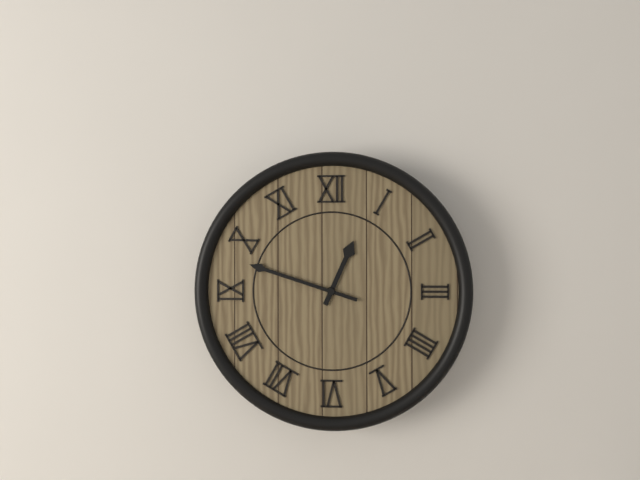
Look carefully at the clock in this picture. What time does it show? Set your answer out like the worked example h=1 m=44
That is h=12 m=48
